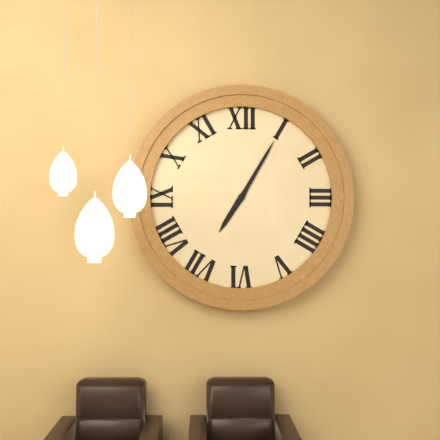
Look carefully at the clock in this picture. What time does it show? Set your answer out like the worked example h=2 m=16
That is h=7 m=5
